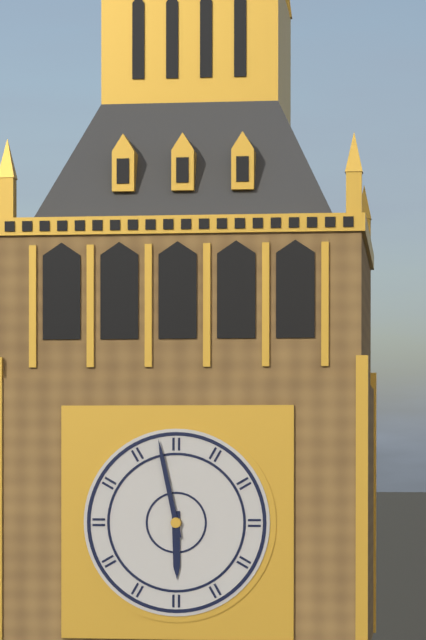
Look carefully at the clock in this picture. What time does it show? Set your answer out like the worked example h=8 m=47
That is h=5 m=58
